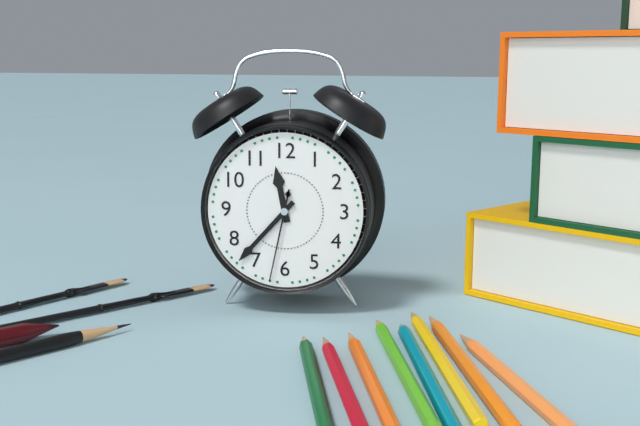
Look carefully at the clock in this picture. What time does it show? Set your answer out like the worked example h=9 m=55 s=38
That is h=11 m=37 s=32
